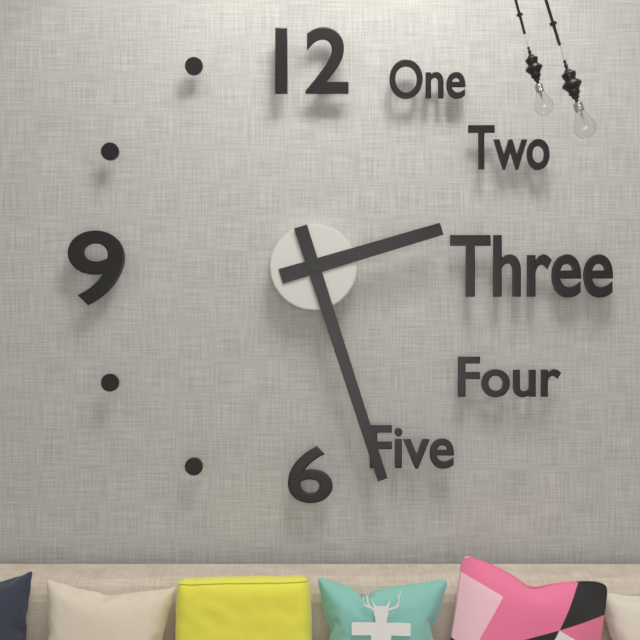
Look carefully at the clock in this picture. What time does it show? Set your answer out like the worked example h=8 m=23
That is h=2 m=27
